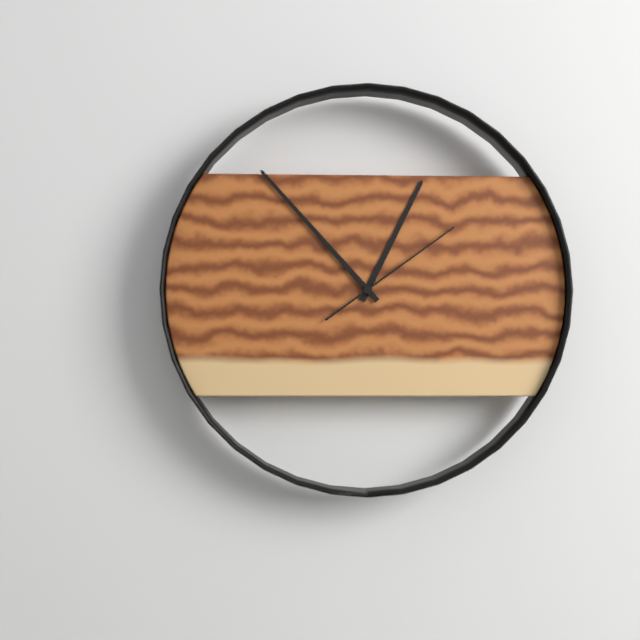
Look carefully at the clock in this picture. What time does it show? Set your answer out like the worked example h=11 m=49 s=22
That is h=12 m=53 s=9
